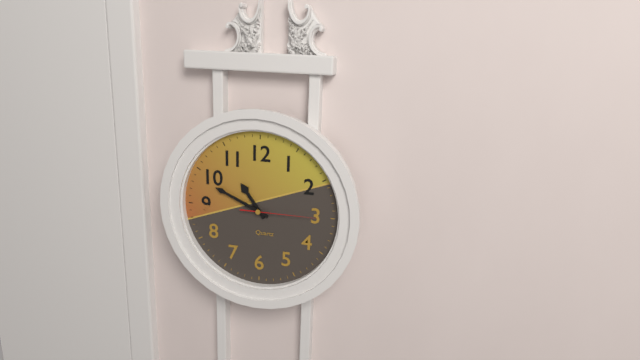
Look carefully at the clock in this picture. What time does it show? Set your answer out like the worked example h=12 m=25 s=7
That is h=10 m=49 s=15
